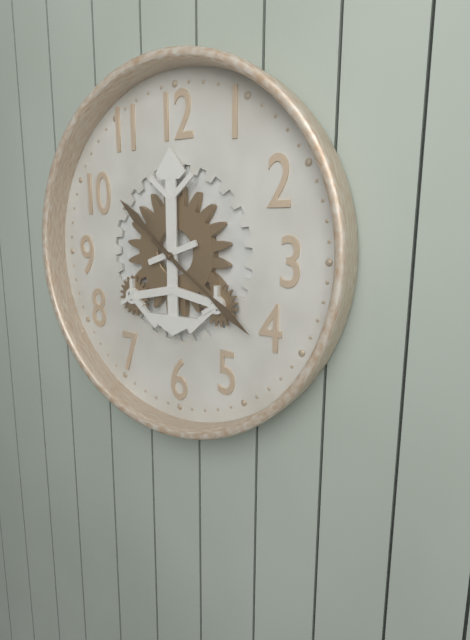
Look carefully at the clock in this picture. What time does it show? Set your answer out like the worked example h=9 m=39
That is h=10 m=21
